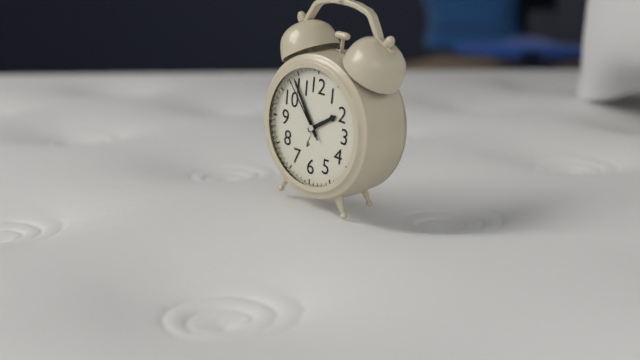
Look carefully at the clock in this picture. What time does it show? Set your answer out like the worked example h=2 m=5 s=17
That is h=1 m=54 s=53
